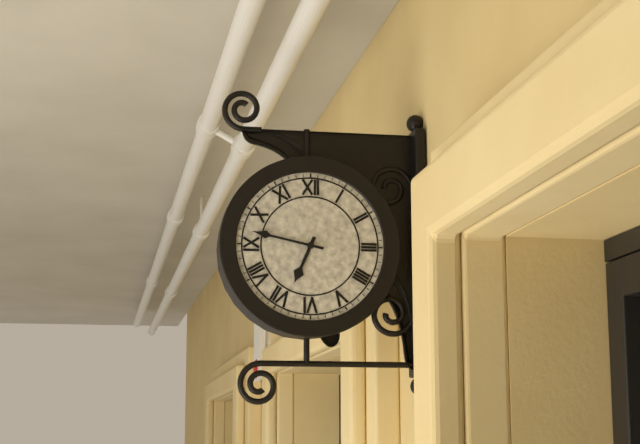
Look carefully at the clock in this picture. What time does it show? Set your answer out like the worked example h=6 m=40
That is h=6 m=47
